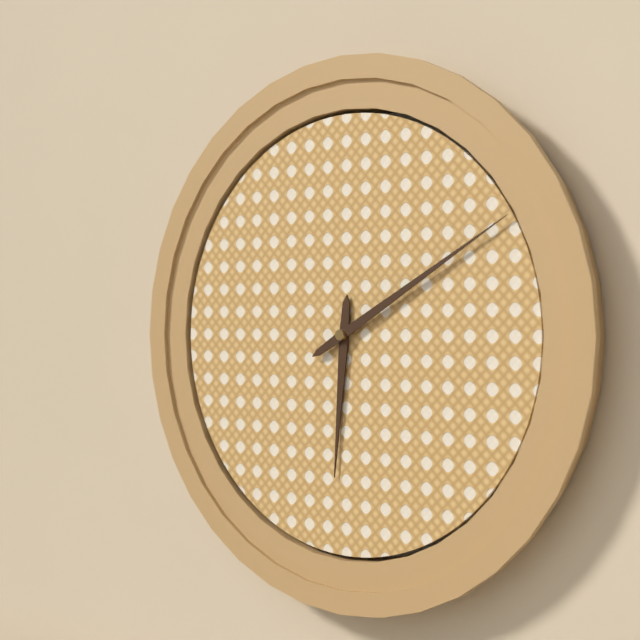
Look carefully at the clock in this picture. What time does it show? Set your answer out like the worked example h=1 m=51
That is h=6 m=10
